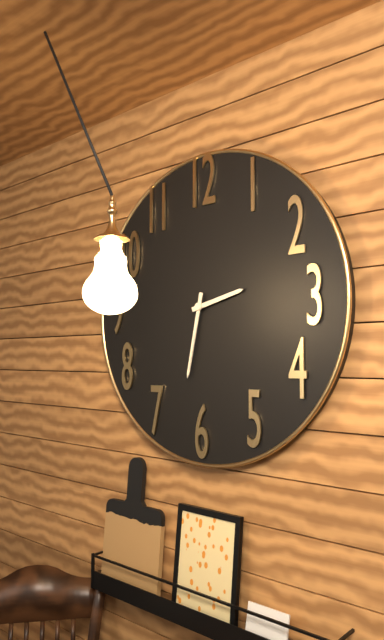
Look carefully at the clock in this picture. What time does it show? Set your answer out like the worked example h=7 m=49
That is h=2 m=32
